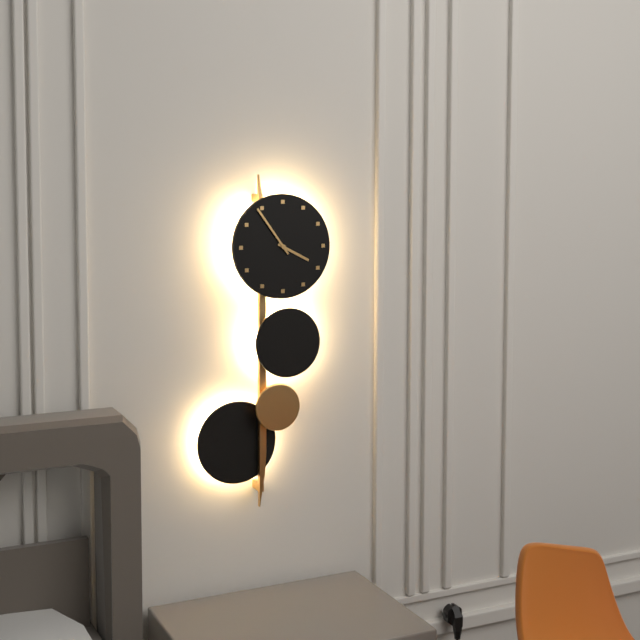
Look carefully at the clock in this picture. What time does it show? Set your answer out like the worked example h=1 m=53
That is h=3 m=54
